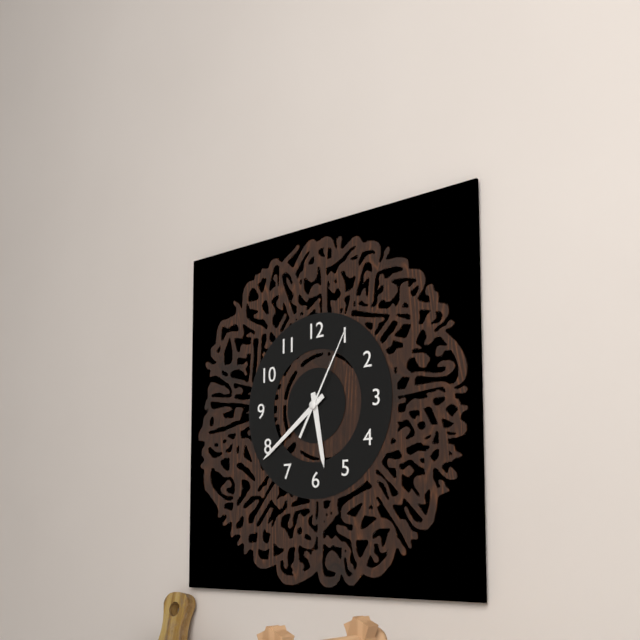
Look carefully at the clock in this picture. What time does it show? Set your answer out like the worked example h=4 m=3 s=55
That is h=5 m=39 s=5
